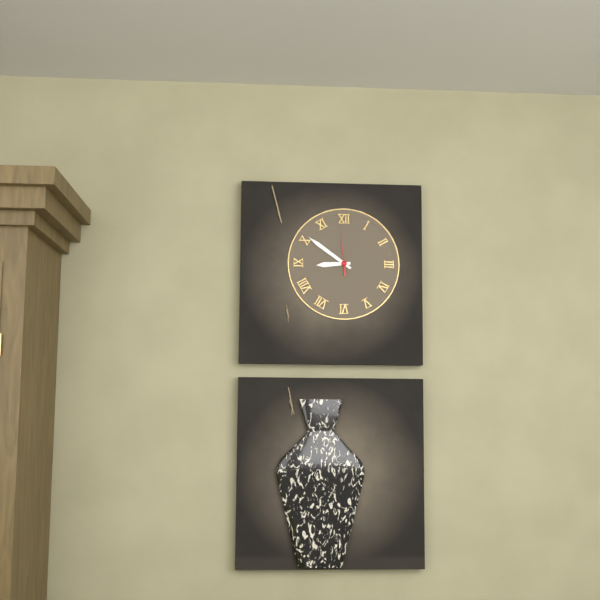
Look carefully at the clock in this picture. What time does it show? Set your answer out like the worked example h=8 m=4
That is h=8 m=51
